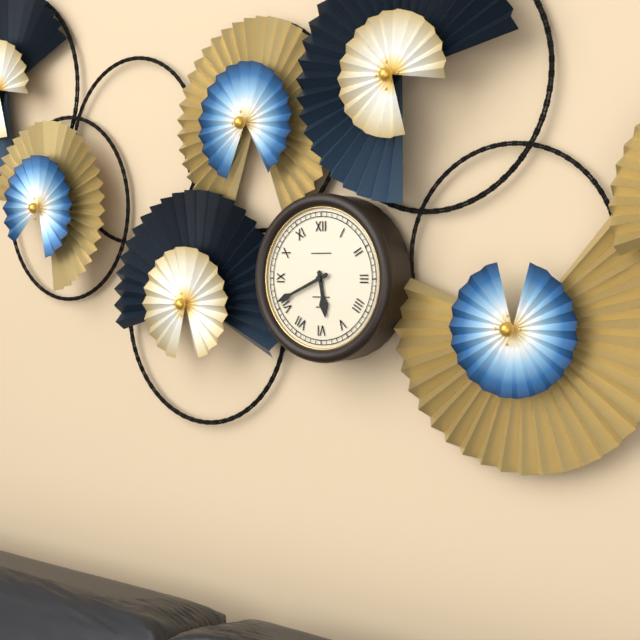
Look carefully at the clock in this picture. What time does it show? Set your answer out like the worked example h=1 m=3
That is h=5 m=41
